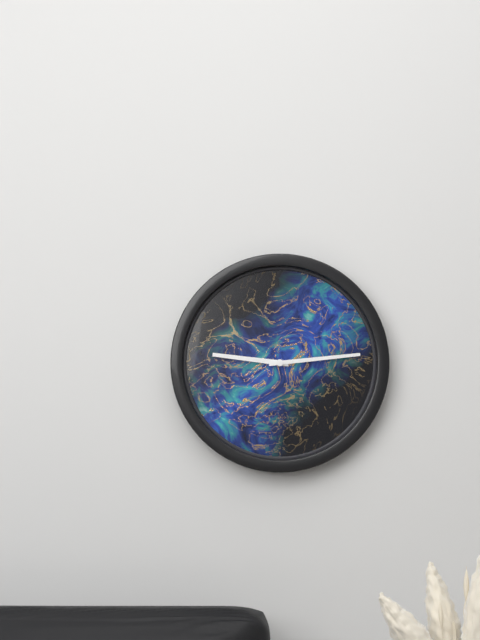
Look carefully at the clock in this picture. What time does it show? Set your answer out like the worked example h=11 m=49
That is h=9 m=14
